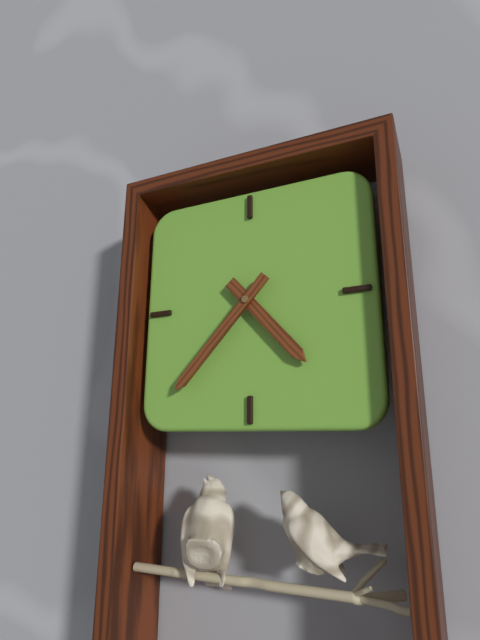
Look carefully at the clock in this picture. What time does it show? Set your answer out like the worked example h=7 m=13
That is h=4 m=37
